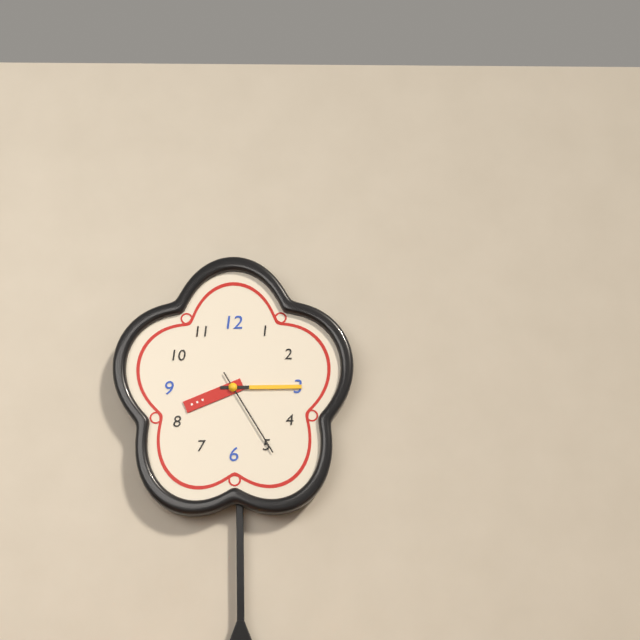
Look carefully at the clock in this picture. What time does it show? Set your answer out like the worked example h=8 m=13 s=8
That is h=8 m=15 s=25
